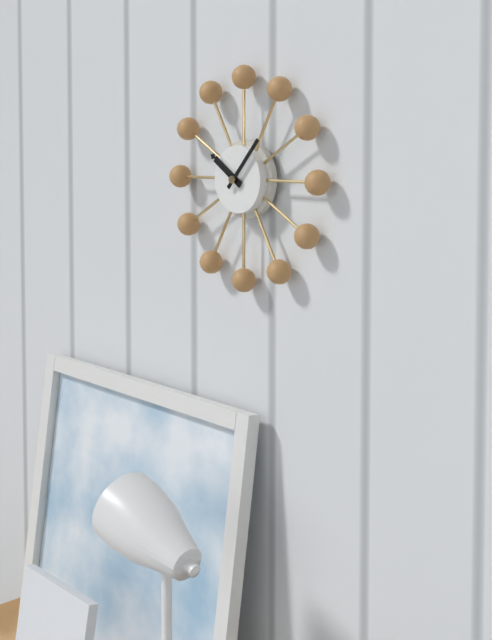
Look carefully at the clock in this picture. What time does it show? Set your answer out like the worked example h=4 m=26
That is h=10 m=7
